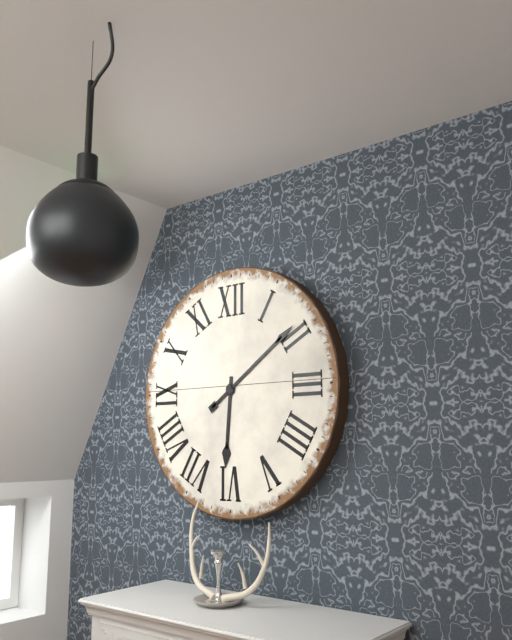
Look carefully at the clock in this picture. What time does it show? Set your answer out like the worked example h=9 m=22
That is h=6 m=9
